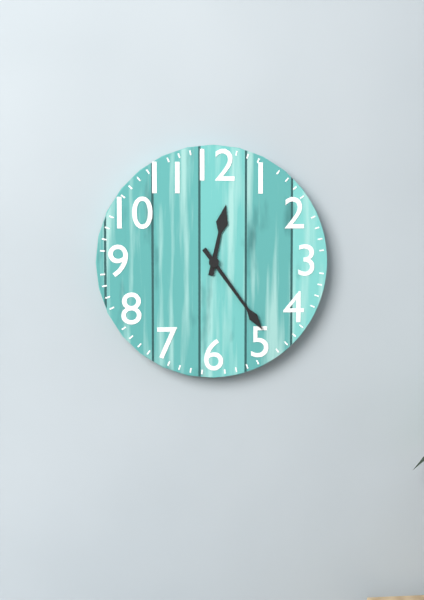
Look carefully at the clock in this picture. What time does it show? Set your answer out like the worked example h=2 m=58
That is h=12 m=24
